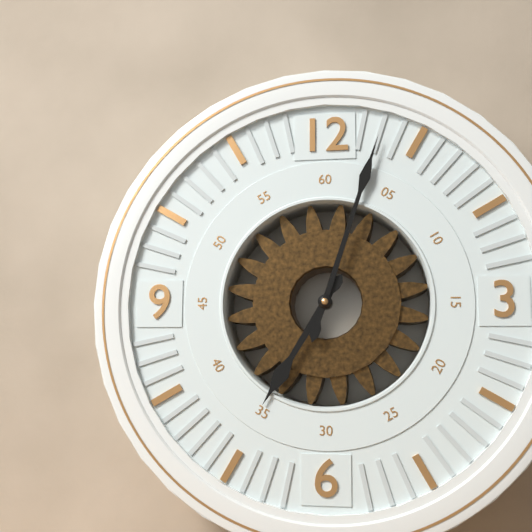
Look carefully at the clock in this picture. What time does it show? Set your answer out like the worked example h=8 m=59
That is h=7 m=3
